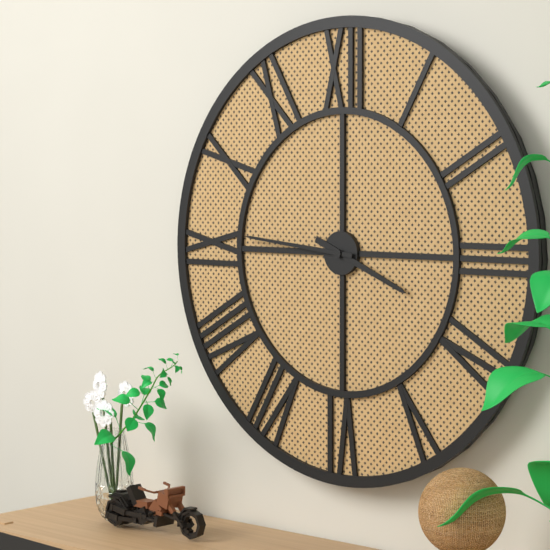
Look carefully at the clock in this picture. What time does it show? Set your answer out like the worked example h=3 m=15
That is h=3 m=46
